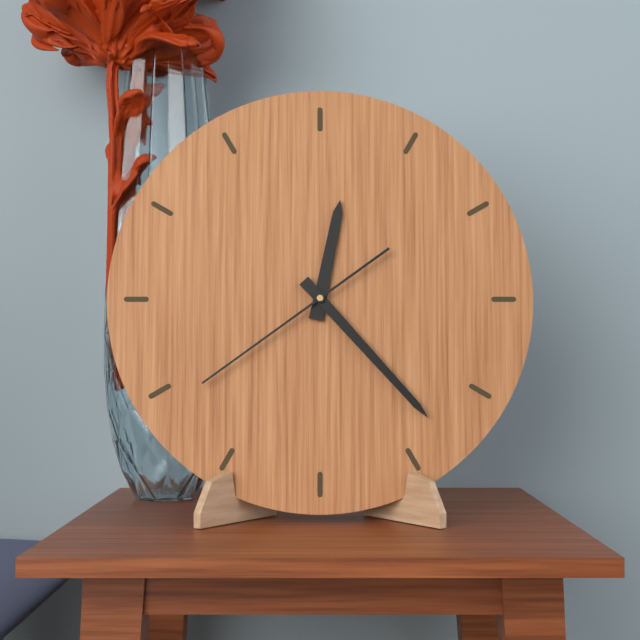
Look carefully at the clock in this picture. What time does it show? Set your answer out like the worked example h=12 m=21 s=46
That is h=12 m=23 s=39
